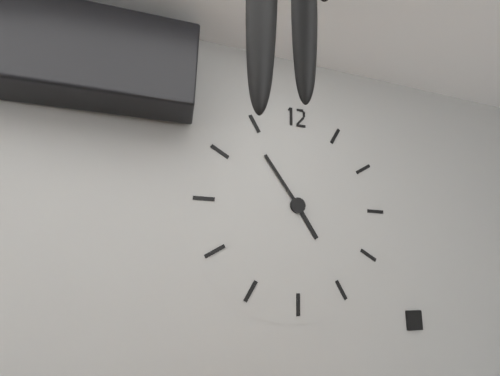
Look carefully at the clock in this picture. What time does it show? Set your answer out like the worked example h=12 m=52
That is h=4 m=54
